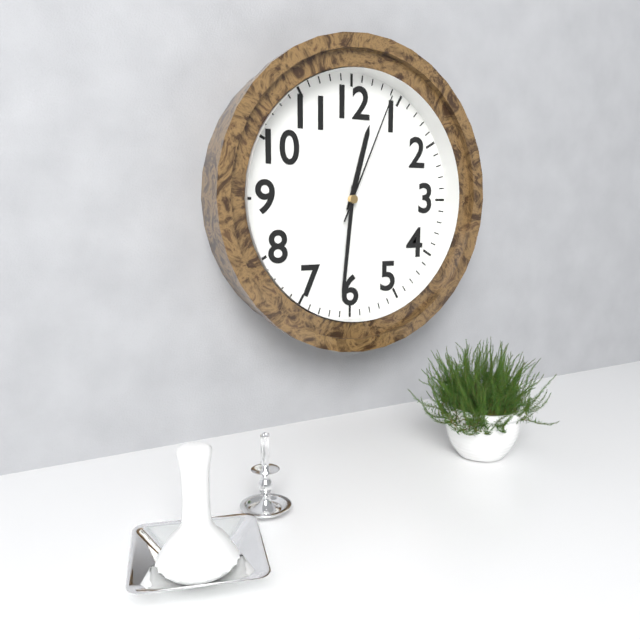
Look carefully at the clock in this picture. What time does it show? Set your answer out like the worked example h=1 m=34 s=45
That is h=12 m=31 s=4
